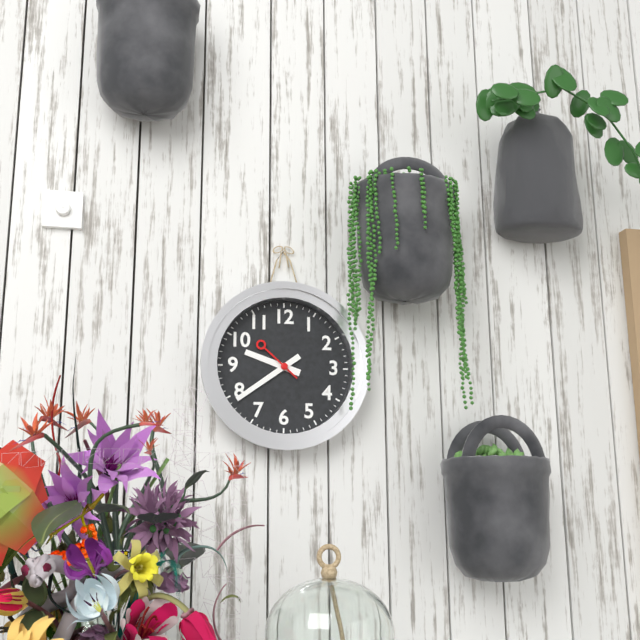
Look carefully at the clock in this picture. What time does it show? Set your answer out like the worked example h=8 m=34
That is h=9 m=39
